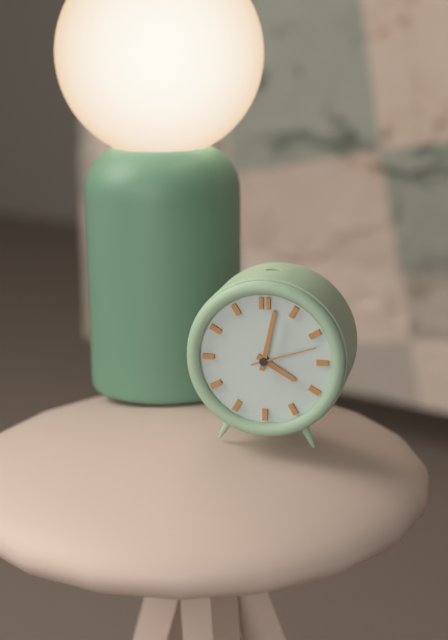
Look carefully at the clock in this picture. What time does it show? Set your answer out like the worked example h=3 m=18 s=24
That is h=4 m=2 s=12
